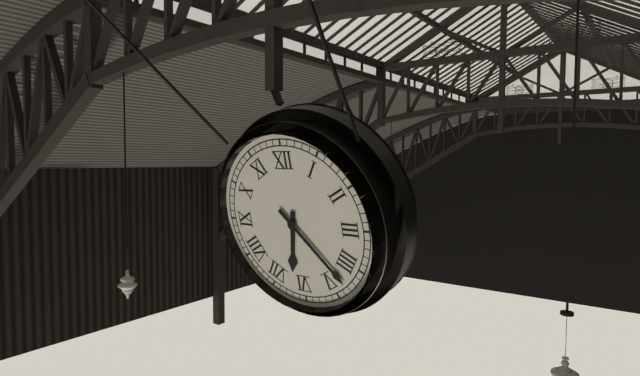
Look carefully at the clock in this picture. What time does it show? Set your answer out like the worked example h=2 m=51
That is h=6 m=23
